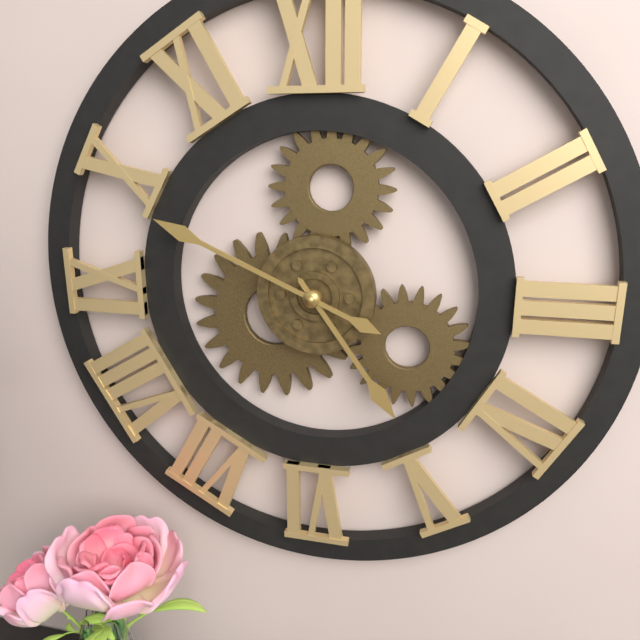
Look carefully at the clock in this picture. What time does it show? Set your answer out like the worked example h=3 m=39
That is h=4 m=49
